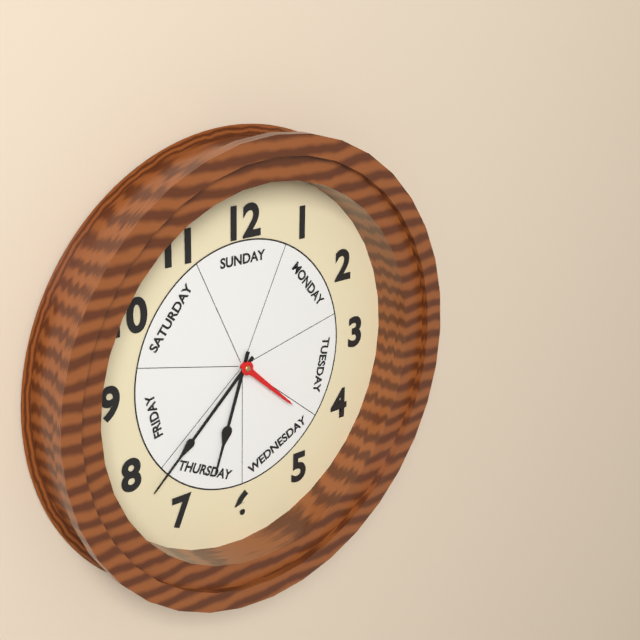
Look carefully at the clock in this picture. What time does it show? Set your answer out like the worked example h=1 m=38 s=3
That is h=6 m=38 s=22
